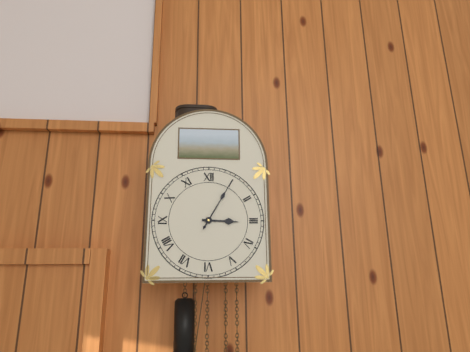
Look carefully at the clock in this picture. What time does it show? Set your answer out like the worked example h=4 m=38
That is h=3 m=5
